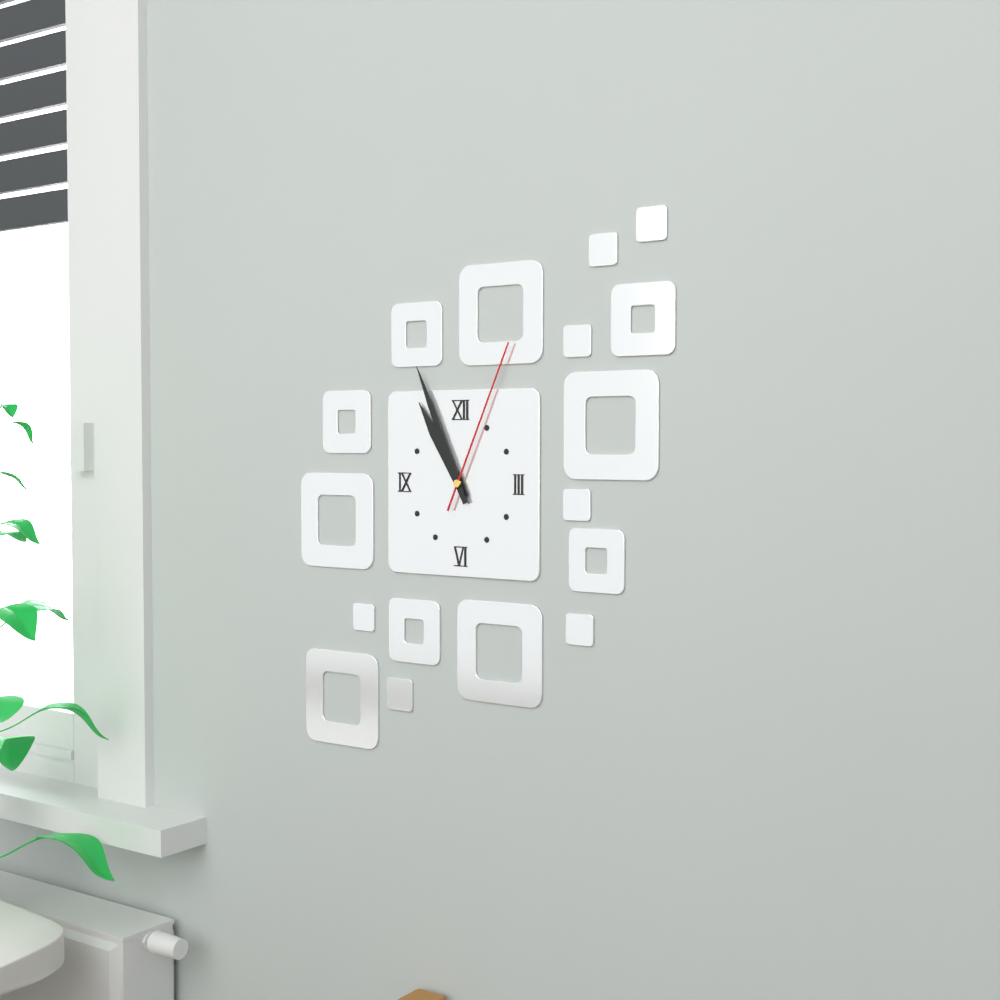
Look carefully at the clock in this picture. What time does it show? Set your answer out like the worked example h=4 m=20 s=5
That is h=10 m=56 s=4
